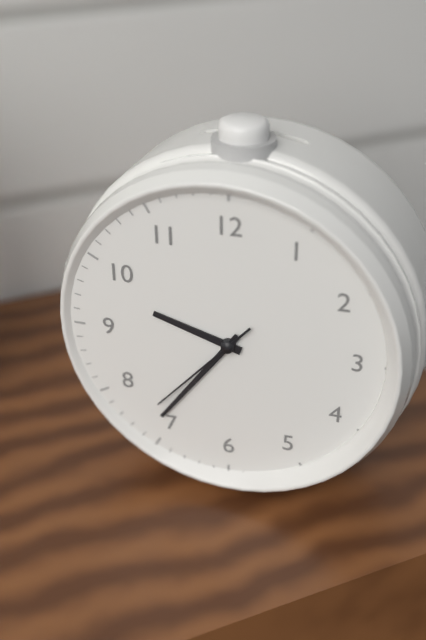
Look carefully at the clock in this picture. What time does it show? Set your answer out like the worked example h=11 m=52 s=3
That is h=9 m=36 s=37
